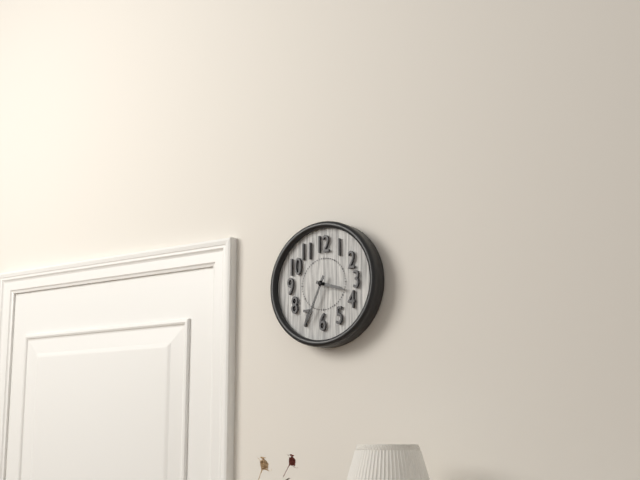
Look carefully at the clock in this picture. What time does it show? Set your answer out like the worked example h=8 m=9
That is h=3 m=34
